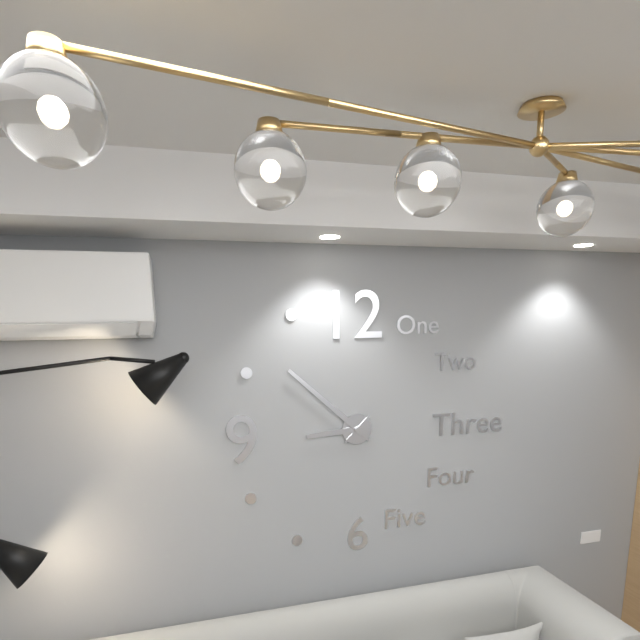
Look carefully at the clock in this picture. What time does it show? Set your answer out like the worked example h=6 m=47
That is h=8 m=52
